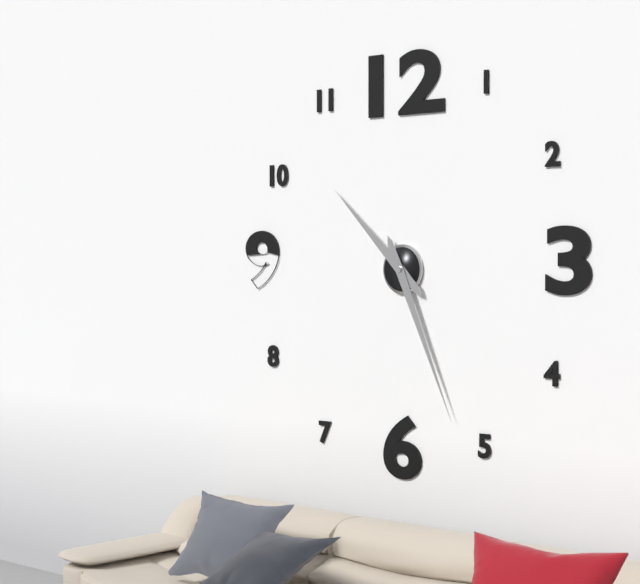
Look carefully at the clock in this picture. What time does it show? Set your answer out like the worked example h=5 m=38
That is h=10 m=26
